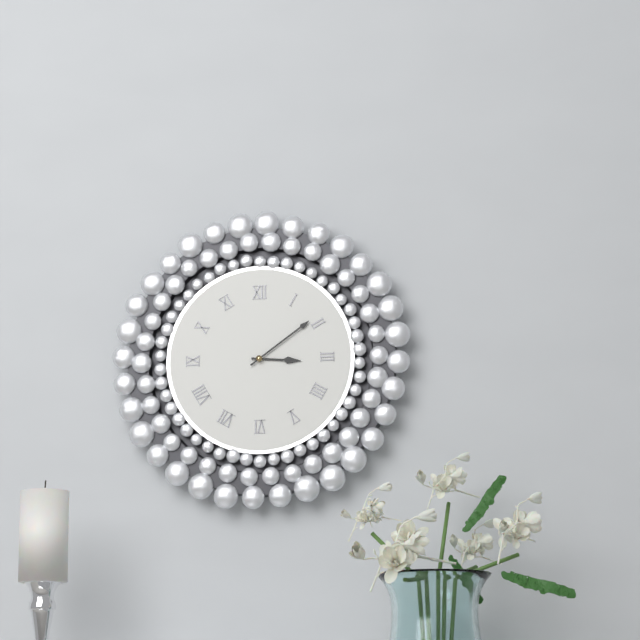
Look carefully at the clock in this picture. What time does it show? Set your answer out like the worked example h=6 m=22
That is h=3 m=9
